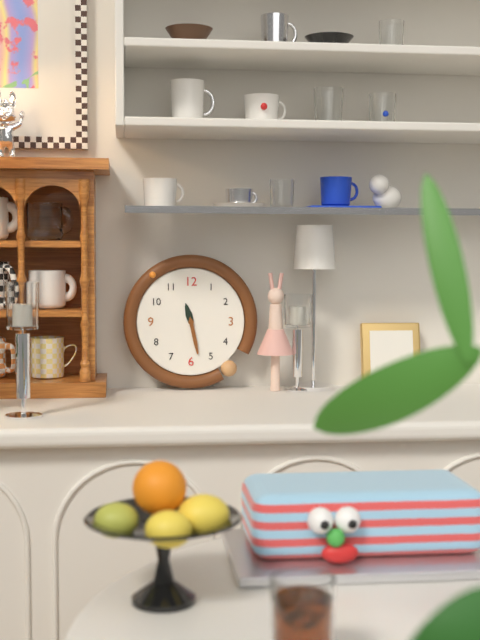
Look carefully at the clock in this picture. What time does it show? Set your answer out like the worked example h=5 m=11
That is h=11 m=28
